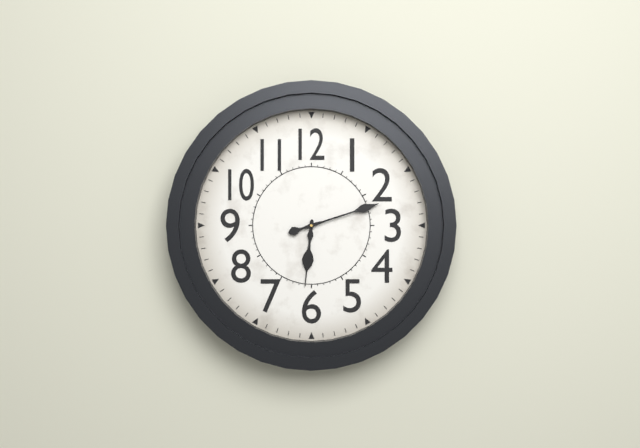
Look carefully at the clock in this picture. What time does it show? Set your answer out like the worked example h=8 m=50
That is h=6 m=12
